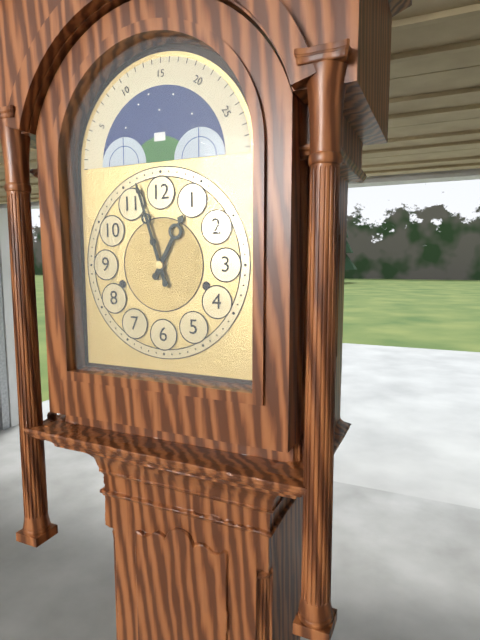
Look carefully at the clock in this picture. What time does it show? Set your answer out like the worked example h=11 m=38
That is h=12 m=57
